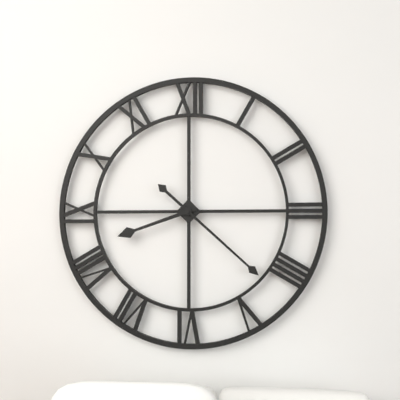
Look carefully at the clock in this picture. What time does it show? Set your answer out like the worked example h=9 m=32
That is h=8 m=22
